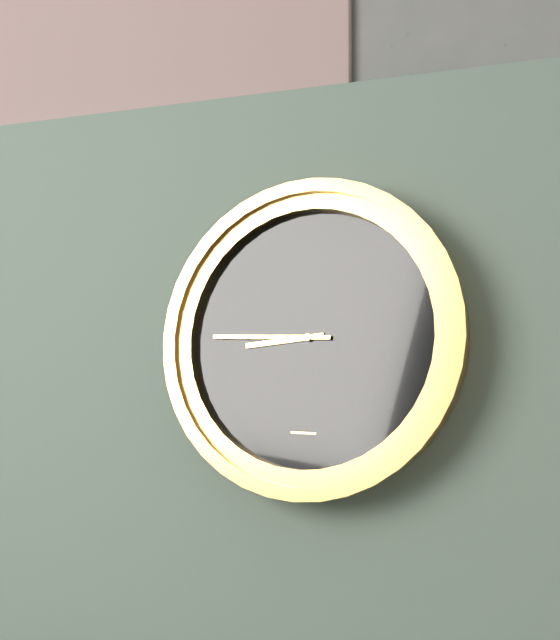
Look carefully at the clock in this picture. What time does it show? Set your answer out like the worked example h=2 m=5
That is h=8 m=45
